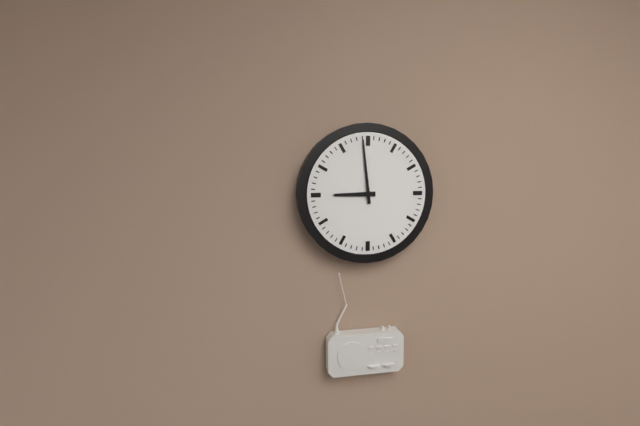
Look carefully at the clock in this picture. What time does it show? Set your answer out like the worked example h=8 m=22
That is h=8 m=59
